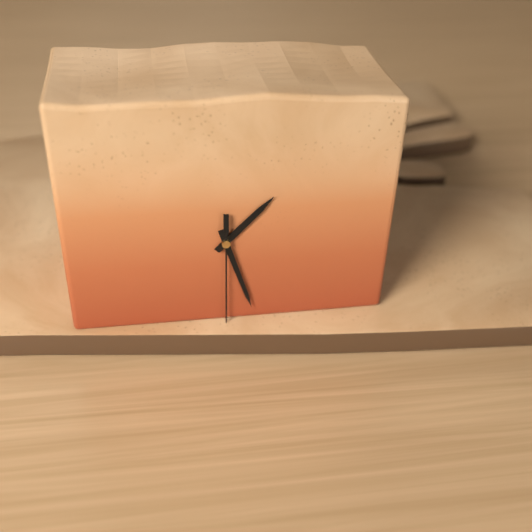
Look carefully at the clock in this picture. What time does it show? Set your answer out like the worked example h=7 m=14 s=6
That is h=1 m=27 s=30
